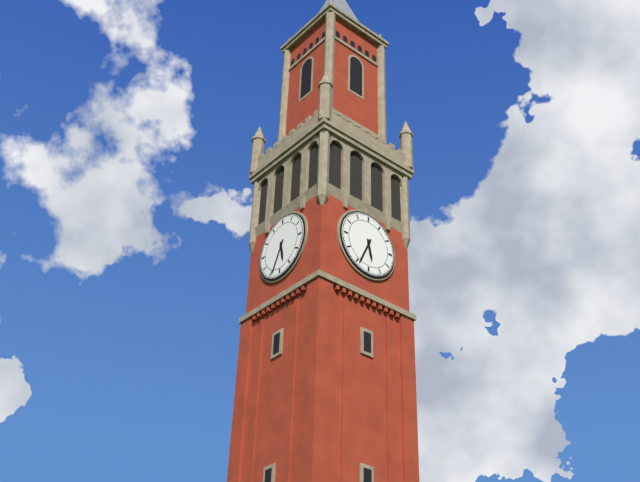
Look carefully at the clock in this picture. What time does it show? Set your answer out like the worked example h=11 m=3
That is h=5 m=34
